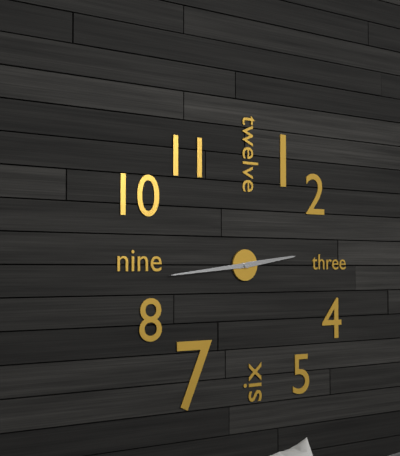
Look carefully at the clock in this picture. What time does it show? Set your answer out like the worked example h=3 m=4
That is h=2 m=44
